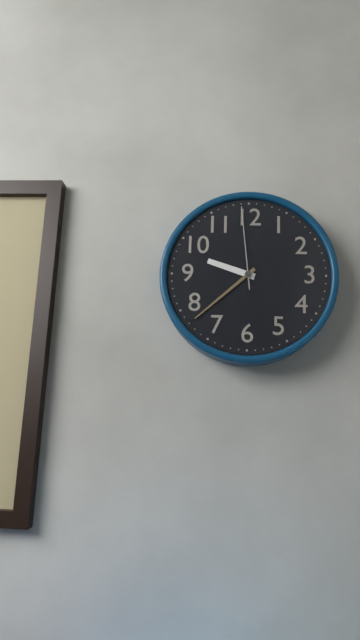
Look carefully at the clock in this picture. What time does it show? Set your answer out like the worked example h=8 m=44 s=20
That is h=9 m=38 s=59
